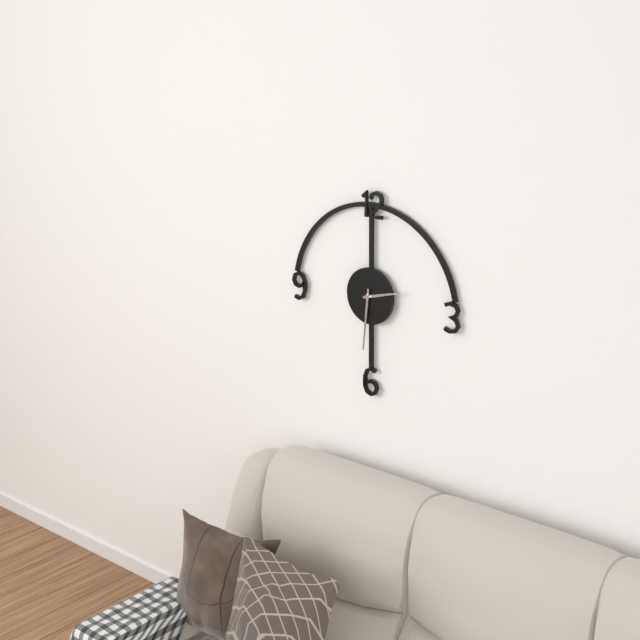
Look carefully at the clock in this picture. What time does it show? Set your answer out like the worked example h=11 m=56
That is h=2 m=31
